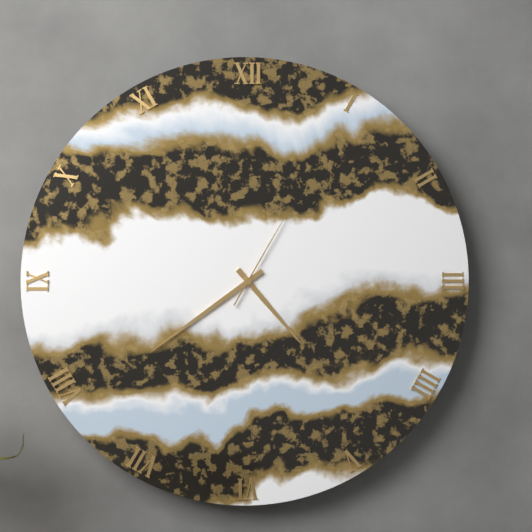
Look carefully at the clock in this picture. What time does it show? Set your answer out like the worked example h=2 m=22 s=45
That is h=4 m=39 s=5
